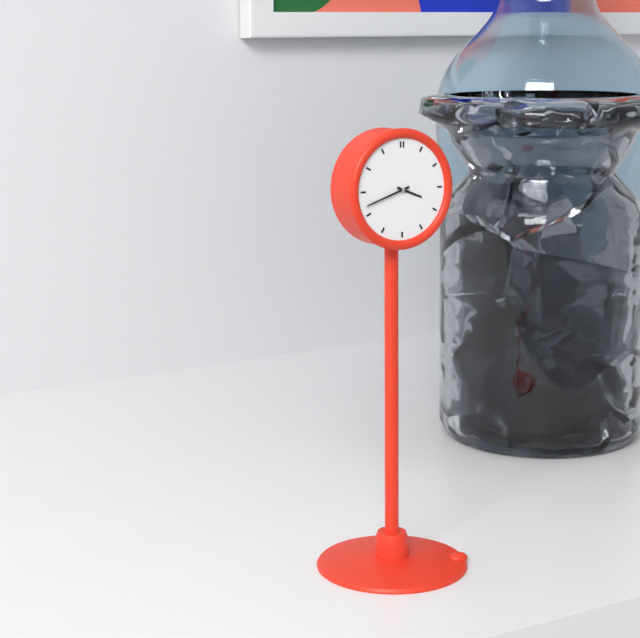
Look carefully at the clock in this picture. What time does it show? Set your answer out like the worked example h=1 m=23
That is h=3 m=42
